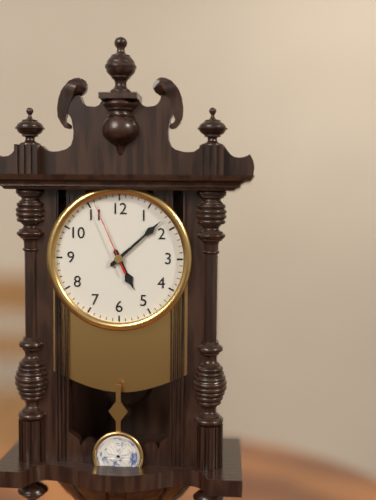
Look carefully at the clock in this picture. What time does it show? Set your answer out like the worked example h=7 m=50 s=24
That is h=5 m=8 s=56
